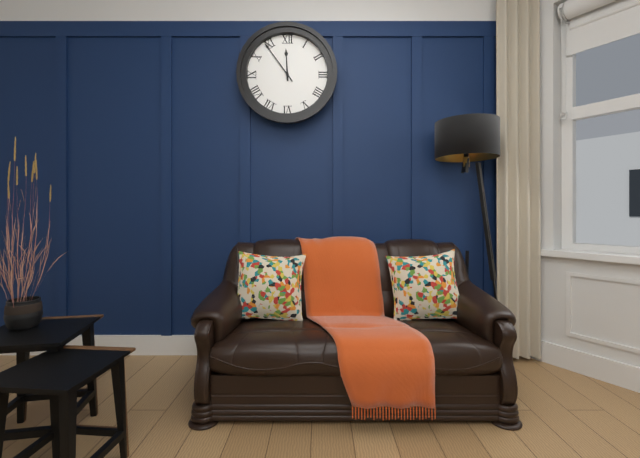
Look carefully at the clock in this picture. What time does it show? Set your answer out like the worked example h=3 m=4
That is h=11 m=54
